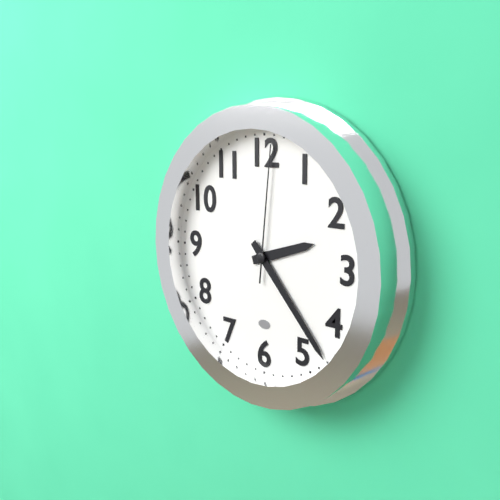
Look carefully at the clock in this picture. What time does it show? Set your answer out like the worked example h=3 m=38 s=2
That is h=2 m=23 s=1
